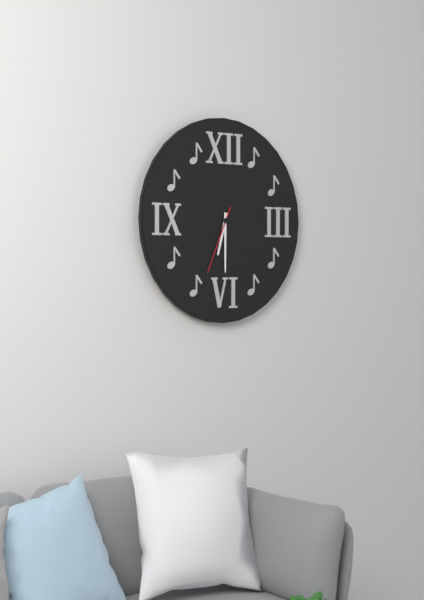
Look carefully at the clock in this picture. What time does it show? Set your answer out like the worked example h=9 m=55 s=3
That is h=6 m=30 s=34
